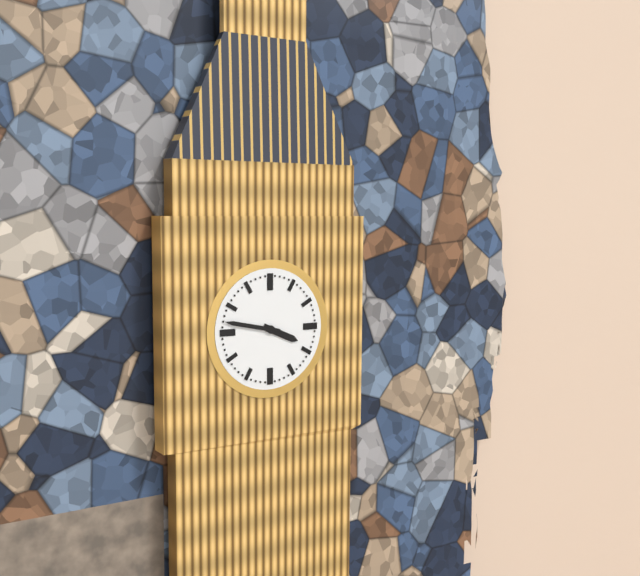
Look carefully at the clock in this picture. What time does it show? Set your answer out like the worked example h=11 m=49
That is h=3 m=47
